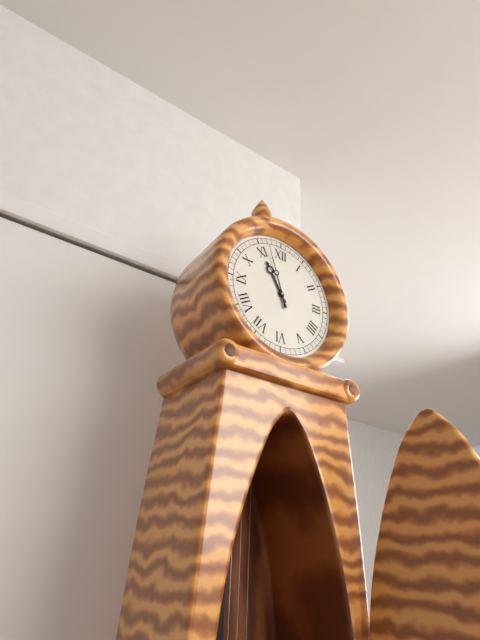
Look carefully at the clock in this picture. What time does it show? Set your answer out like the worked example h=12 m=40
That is h=10 m=57
